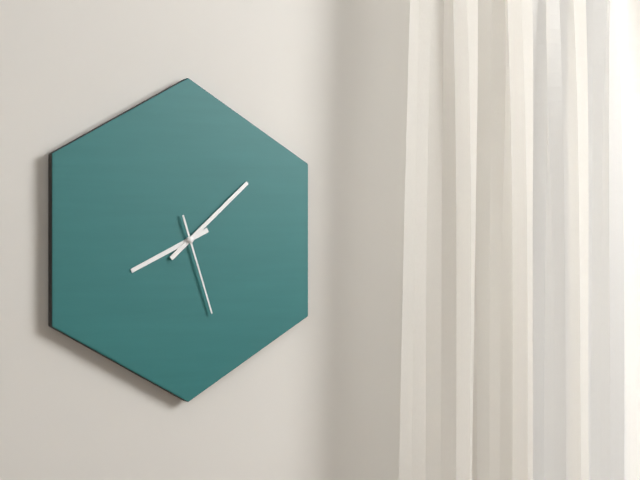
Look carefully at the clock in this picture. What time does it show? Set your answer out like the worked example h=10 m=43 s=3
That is h=8 m=8 s=27
